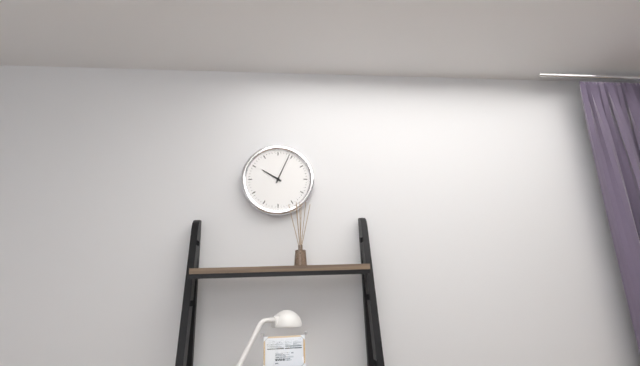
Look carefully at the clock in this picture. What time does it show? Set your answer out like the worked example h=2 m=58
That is h=10 m=4
